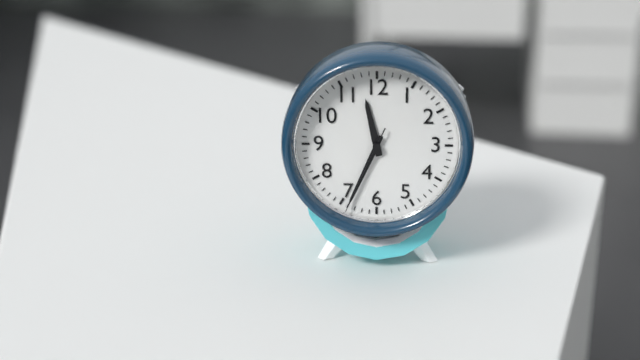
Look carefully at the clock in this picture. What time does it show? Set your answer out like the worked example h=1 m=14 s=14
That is h=11 m=34 s=34
